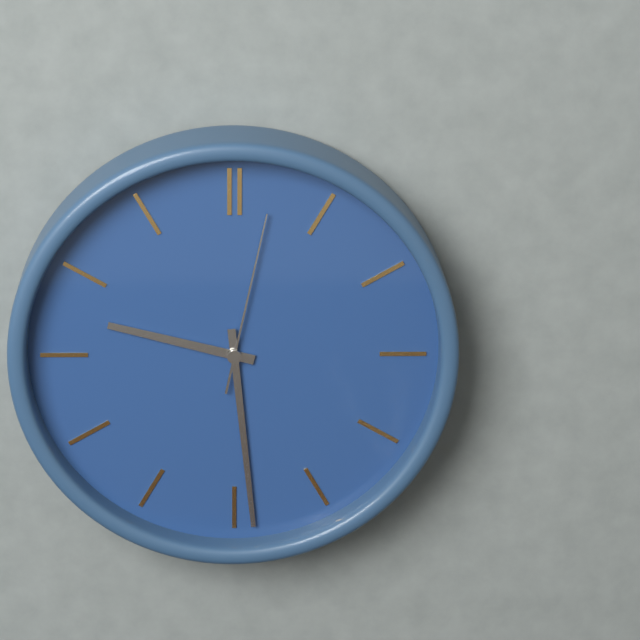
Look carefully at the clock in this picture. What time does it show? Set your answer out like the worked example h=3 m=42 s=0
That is h=9 m=29 s=2
